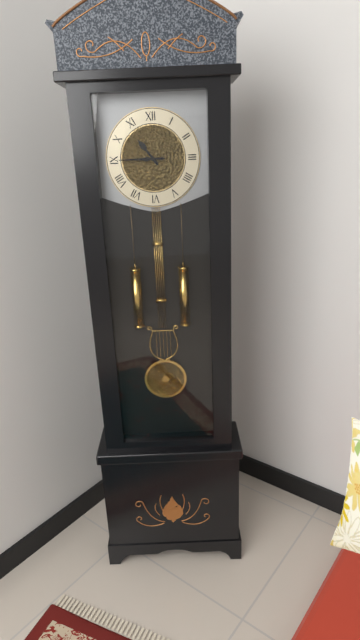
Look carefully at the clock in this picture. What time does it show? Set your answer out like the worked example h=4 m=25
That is h=10 m=45
